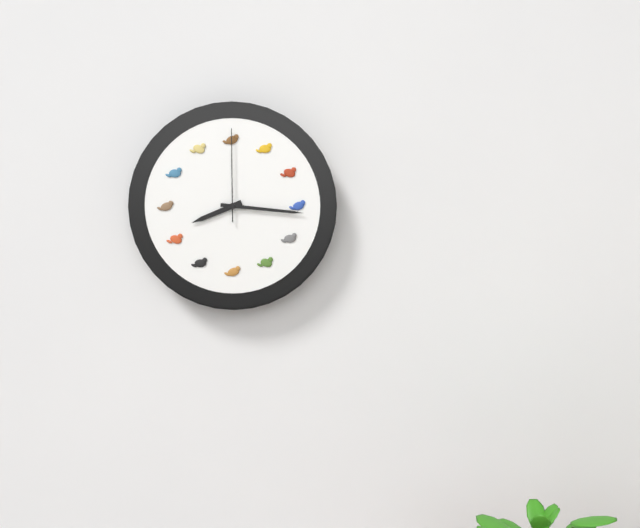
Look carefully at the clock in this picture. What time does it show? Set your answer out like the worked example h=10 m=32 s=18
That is h=8 m=16 s=0
